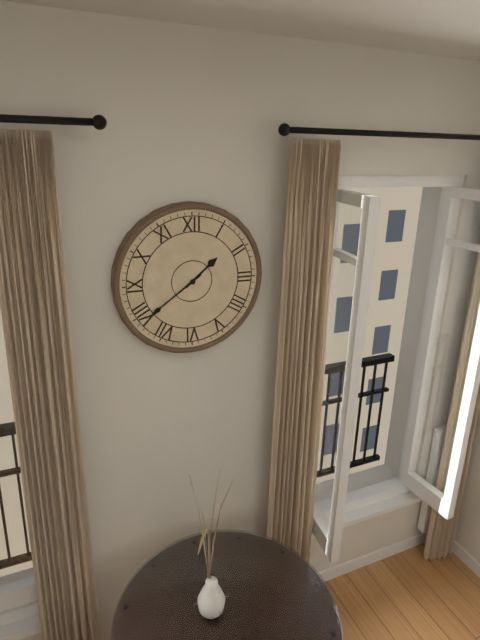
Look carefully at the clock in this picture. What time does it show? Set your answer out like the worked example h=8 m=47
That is h=1 m=39
